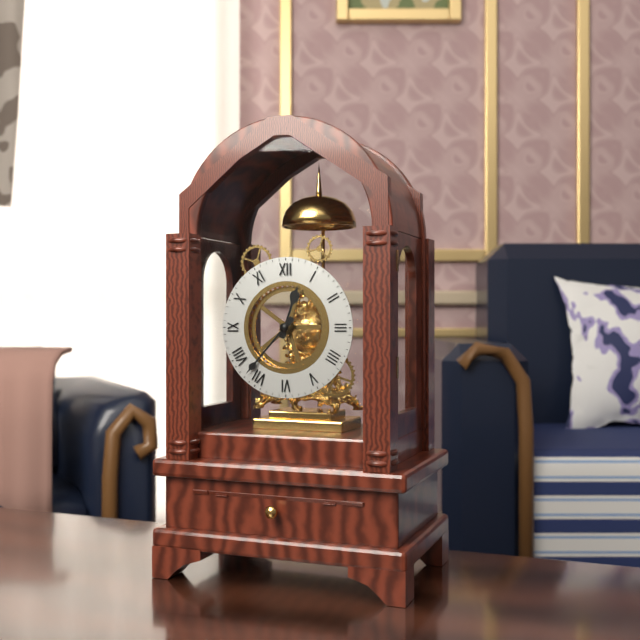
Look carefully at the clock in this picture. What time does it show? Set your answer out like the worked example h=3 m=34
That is h=12 m=37
